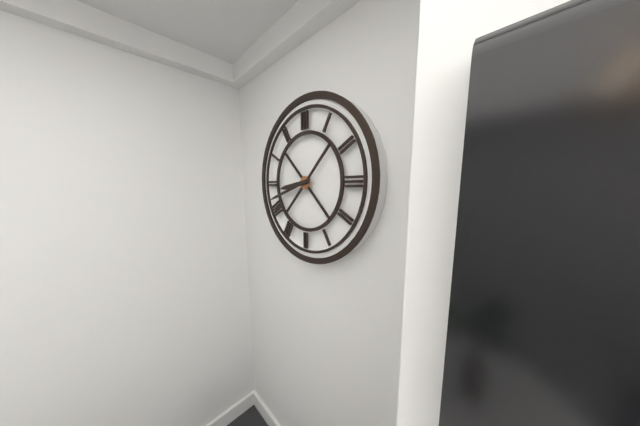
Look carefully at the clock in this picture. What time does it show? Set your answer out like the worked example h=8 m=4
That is h=8 m=42
